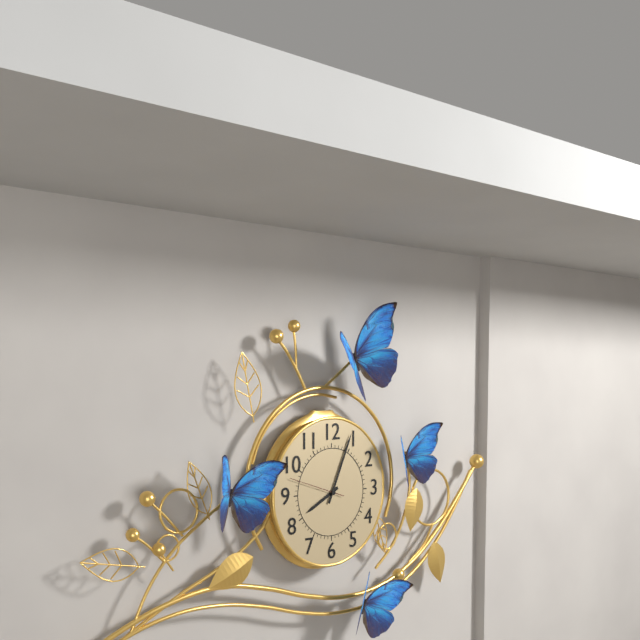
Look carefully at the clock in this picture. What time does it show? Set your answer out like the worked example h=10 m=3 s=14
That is h=8 m=4 s=48
